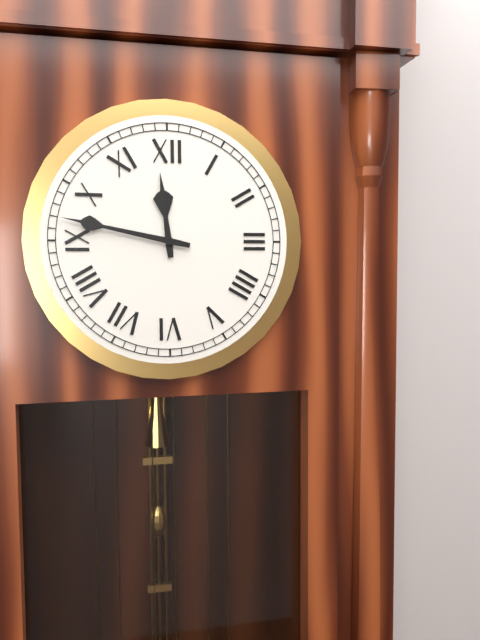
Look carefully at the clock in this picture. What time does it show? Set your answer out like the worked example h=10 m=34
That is h=11 m=47
